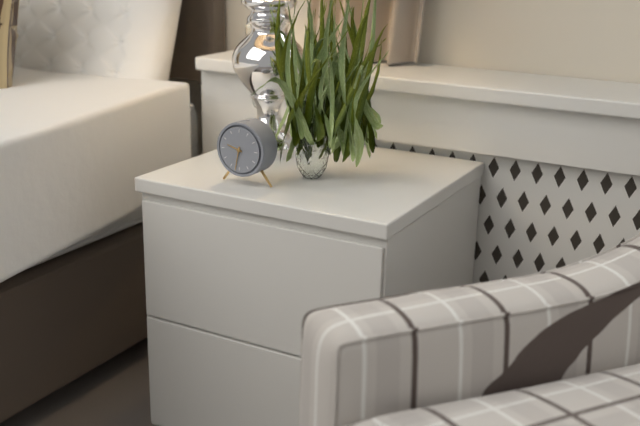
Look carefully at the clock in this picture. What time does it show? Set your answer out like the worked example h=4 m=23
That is h=9 m=32
